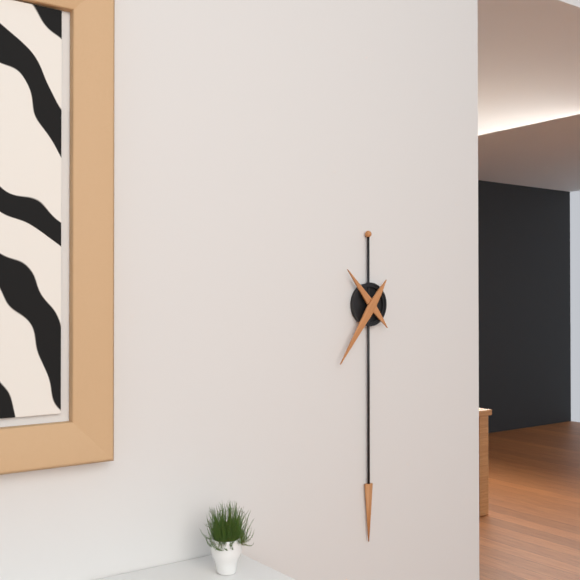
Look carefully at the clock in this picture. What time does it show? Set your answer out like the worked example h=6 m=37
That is h=10 m=36
